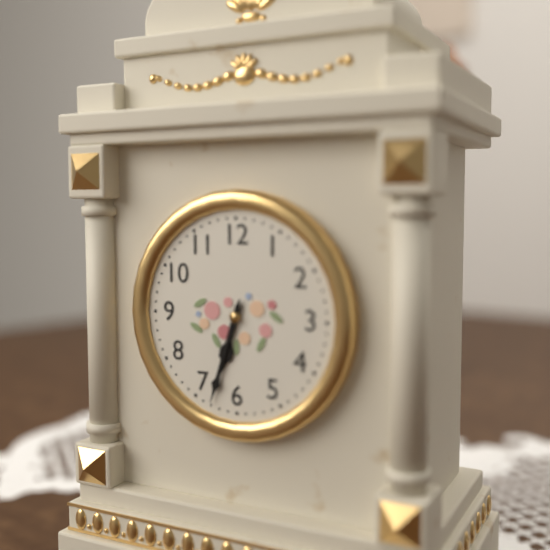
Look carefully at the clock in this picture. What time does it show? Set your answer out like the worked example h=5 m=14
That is h=6 m=33
